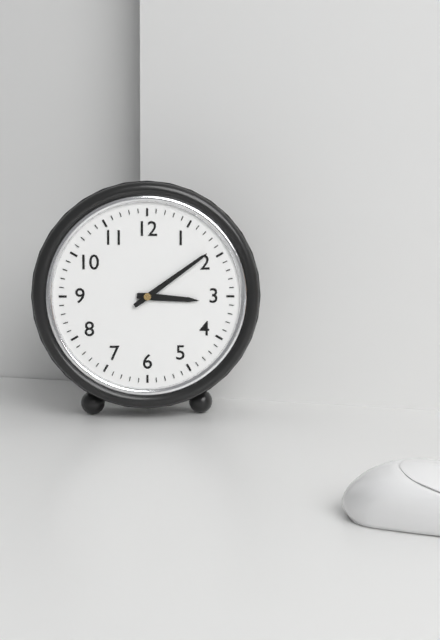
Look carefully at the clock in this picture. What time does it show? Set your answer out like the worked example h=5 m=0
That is h=3 m=9
